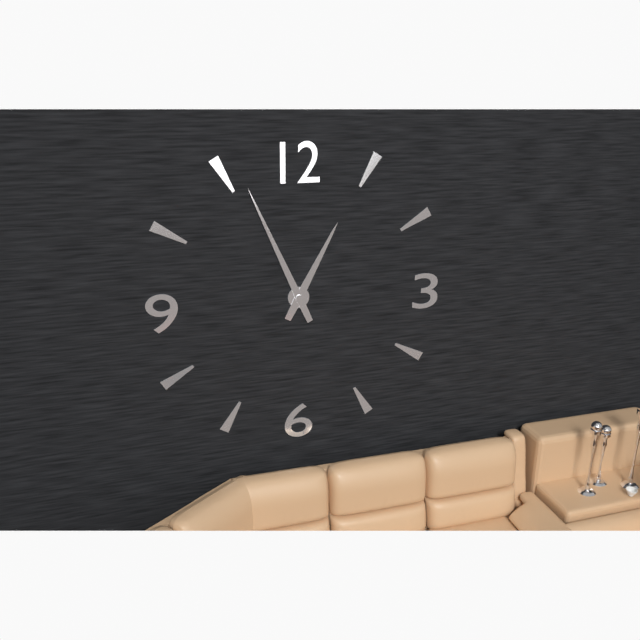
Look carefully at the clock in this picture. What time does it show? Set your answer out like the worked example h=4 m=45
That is h=12 m=56
